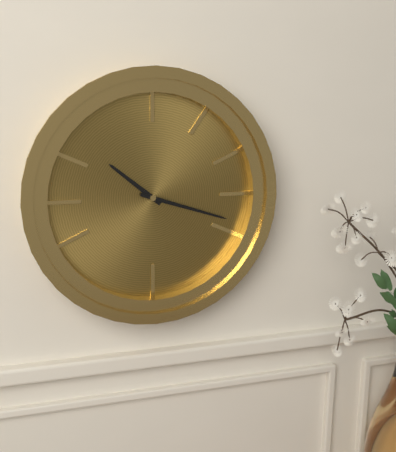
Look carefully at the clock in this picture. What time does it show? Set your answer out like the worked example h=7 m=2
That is h=10 m=18
